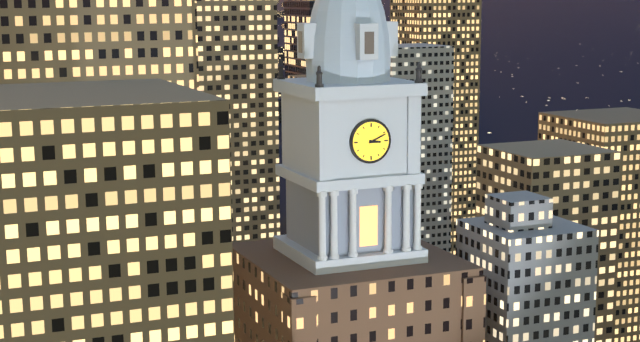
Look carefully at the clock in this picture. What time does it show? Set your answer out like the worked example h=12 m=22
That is h=3 m=11
